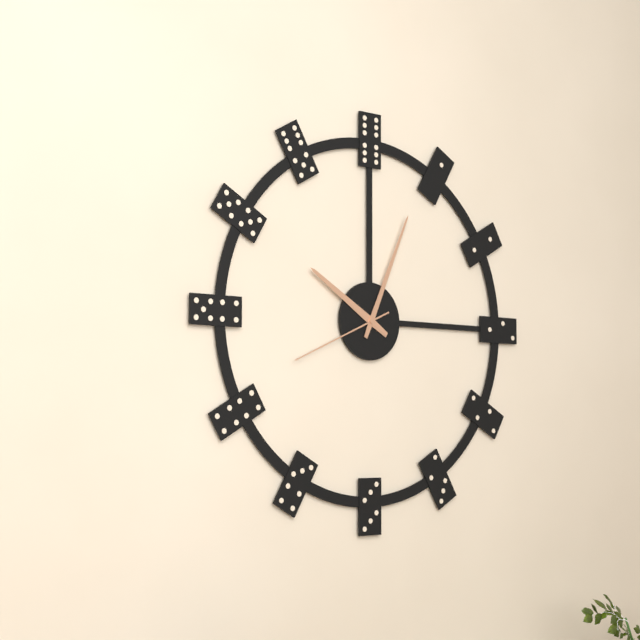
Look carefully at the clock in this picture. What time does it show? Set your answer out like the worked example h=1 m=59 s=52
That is h=10 m=4 s=41
